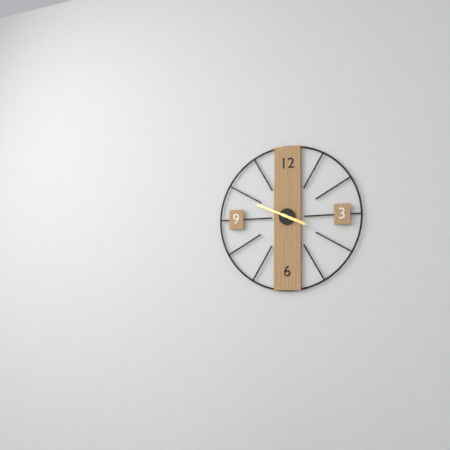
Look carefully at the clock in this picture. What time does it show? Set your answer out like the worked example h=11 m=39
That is h=3 m=49
